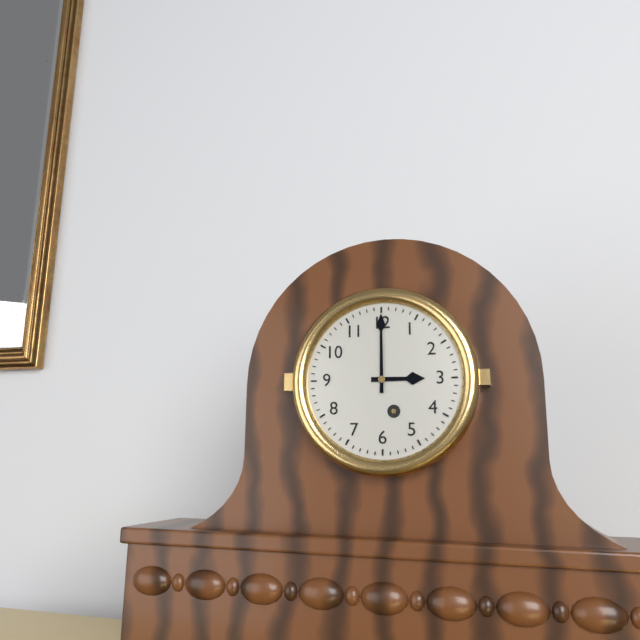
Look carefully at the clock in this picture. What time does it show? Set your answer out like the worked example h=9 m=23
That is h=3 m=0
